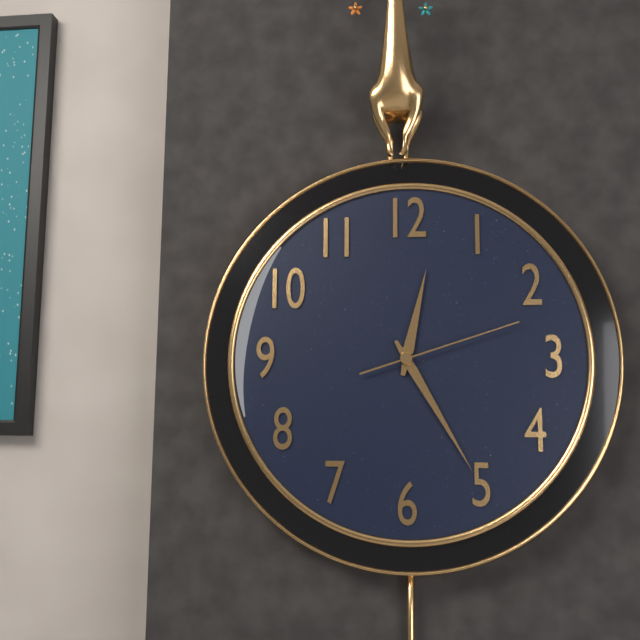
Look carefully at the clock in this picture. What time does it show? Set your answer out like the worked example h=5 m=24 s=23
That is h=12 m=25 s=12
